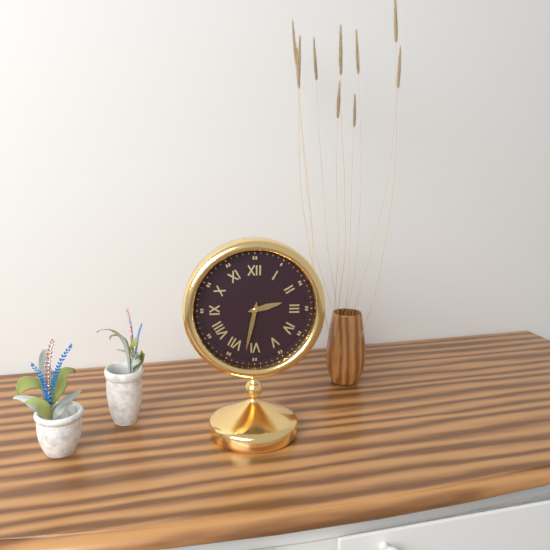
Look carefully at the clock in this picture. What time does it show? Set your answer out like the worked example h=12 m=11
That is h=2 m=32
